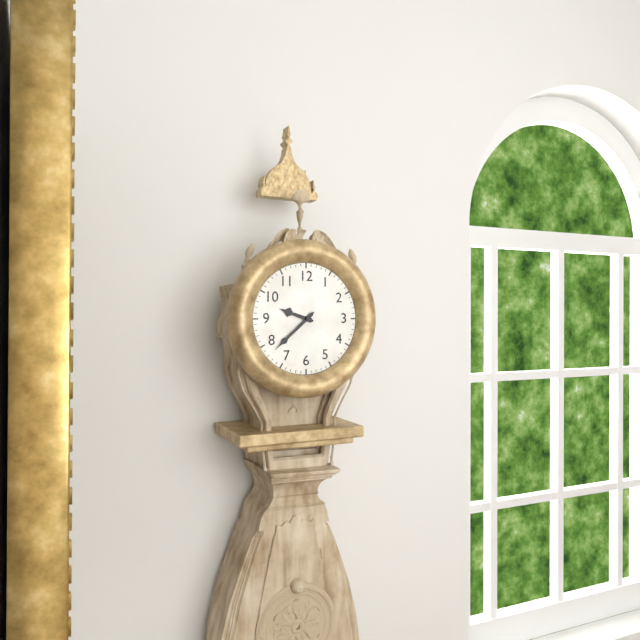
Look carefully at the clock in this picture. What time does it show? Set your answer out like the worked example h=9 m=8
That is h=9 m=38
